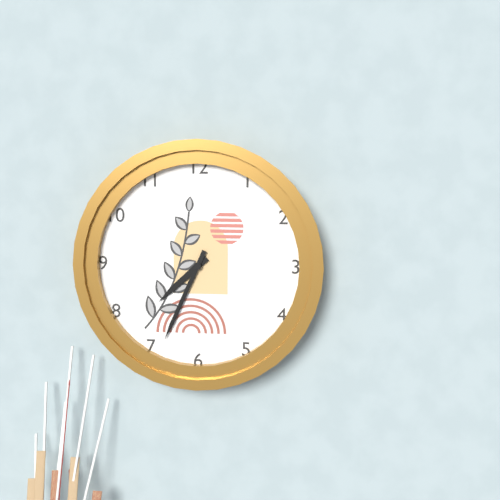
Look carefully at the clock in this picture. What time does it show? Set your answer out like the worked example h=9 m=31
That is h=7 m=34
